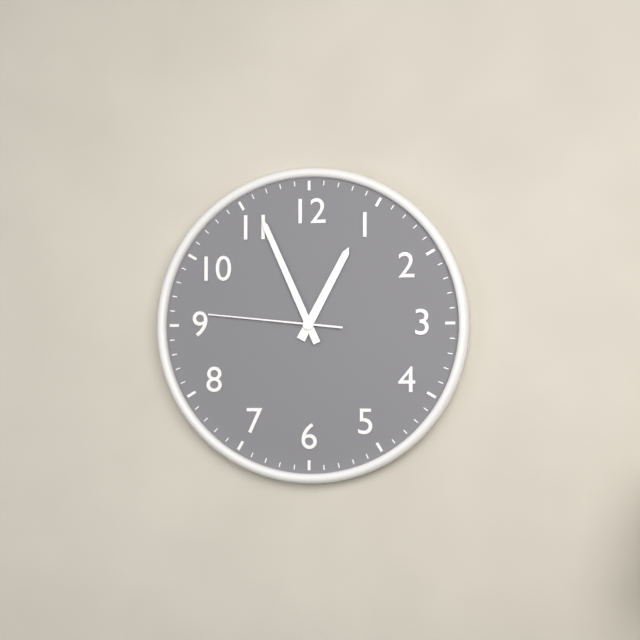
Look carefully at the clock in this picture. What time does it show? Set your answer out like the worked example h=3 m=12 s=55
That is h=12 m=56 s=46
